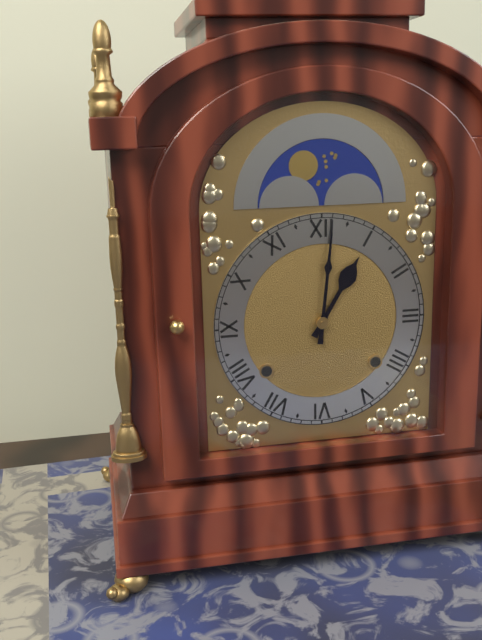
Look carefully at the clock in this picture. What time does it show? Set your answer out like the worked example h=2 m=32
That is h=1 m=1
